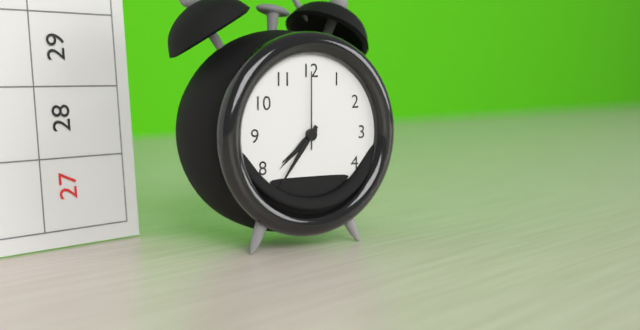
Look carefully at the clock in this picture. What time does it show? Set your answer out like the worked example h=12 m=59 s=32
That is h=7 m=36 s=0
